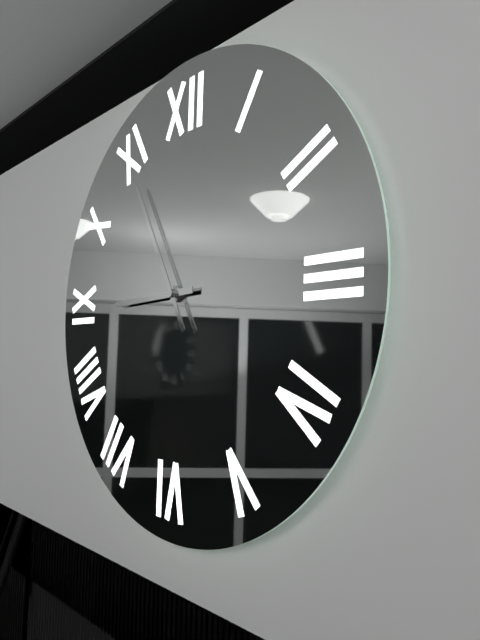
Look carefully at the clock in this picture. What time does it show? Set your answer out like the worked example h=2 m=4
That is h=8 m=55
